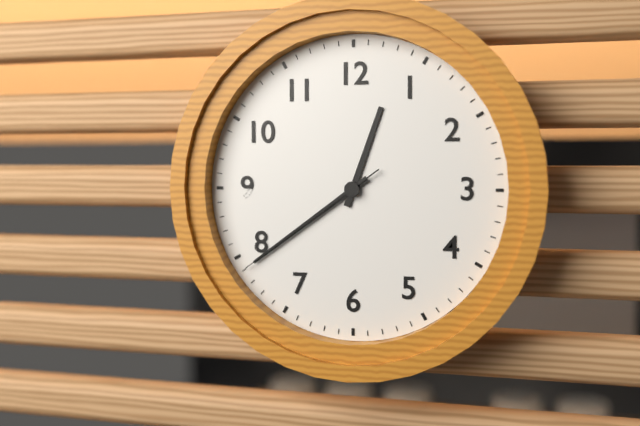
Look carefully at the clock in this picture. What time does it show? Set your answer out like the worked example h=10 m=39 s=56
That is h=12 m=39 s=39
